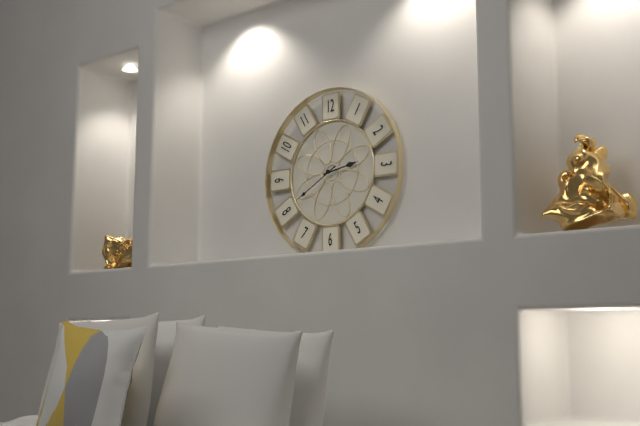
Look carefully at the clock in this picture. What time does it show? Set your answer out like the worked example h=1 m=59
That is h=2 m=40
